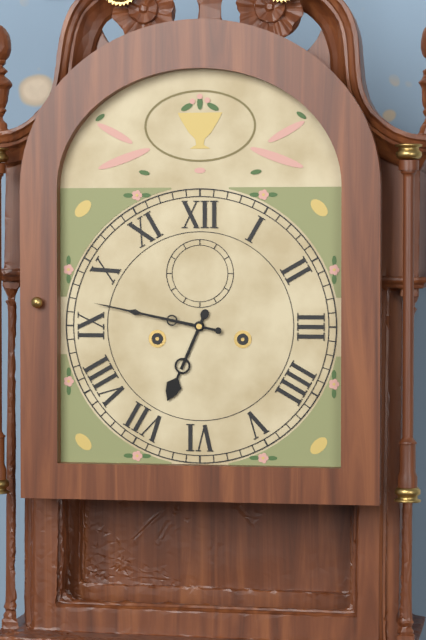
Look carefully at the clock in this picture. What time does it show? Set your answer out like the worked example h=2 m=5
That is h=6 m=47
